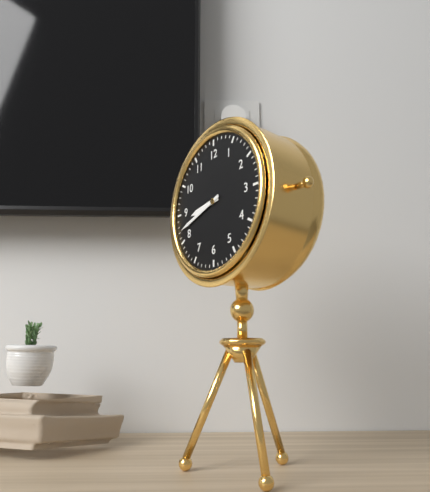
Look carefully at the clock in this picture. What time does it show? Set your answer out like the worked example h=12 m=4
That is h=8 m=42
